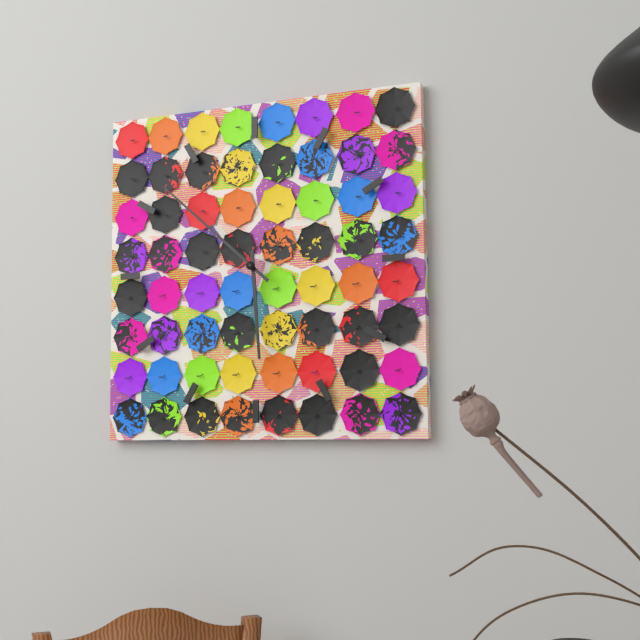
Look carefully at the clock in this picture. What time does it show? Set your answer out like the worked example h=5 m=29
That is h=5 m=52
